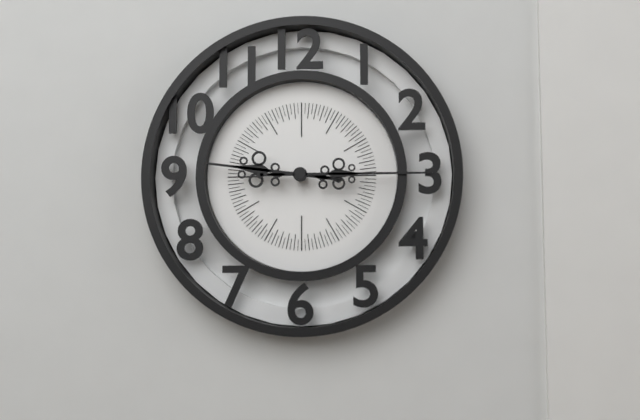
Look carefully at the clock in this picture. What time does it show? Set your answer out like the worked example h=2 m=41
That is h=9 m=15
